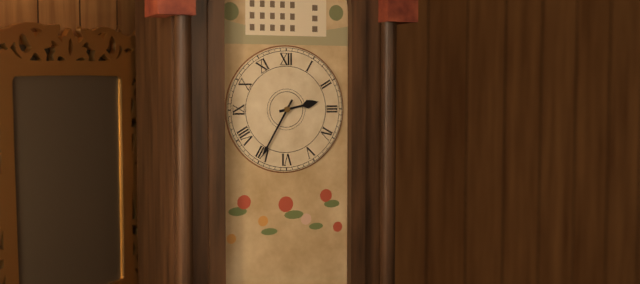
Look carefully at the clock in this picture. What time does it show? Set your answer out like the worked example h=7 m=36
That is h=2 m=35
